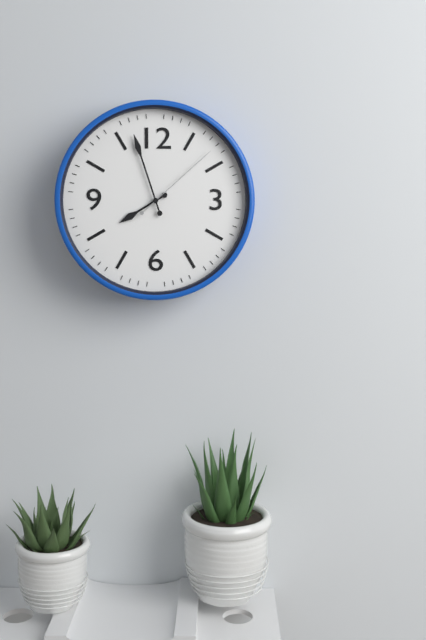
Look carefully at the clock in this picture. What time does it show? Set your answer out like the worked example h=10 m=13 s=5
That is h=7 m=57 s=8
